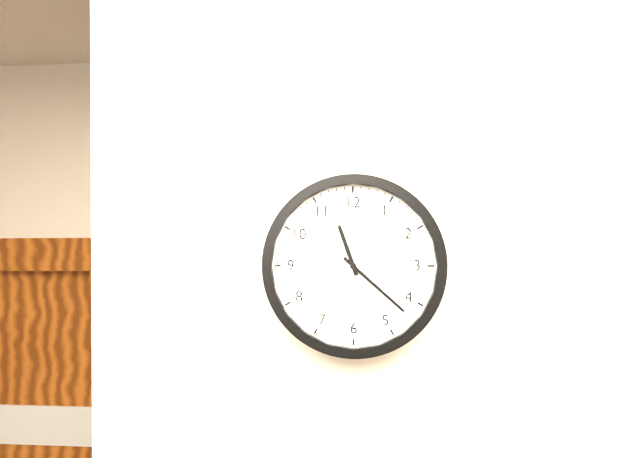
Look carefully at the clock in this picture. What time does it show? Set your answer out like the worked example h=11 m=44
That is h=11 m=22
